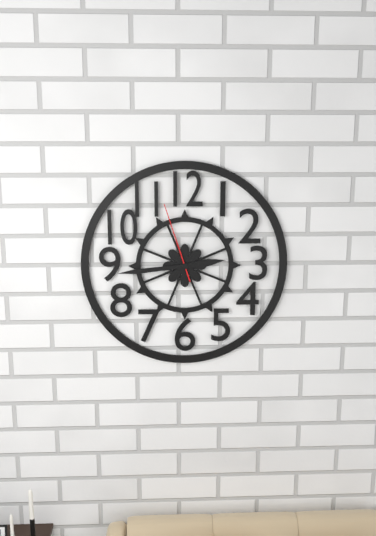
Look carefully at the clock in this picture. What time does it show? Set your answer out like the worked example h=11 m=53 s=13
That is h=2 m=44 s=57
